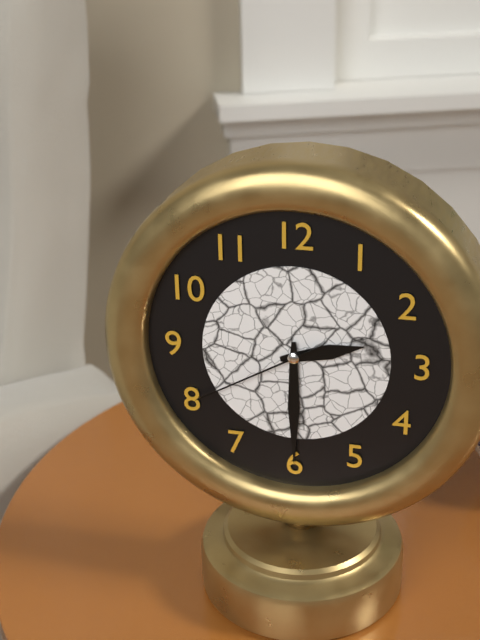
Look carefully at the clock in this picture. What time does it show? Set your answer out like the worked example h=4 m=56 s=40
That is h=2 m=30 s=40
